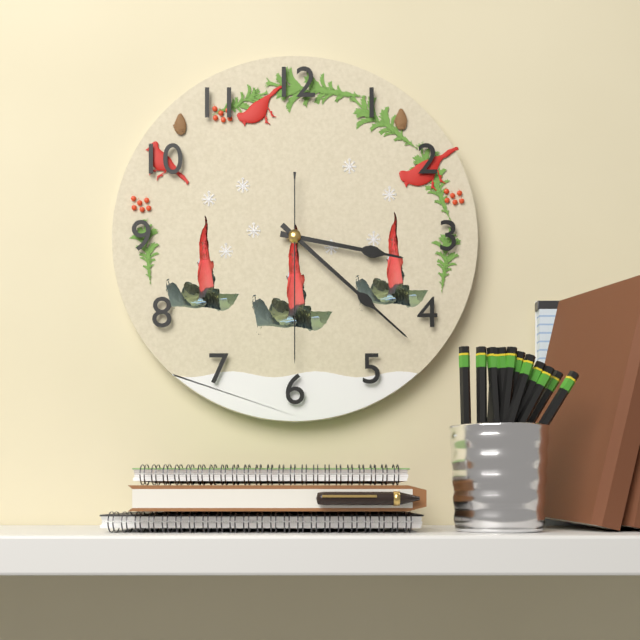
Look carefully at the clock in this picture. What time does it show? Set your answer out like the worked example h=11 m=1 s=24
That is h=3 m=22 s=30
